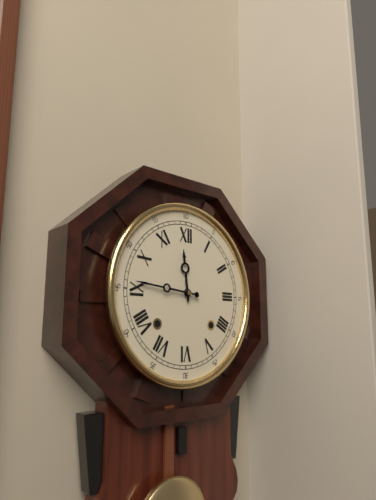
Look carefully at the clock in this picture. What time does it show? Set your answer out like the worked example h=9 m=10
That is h=11 m=46
